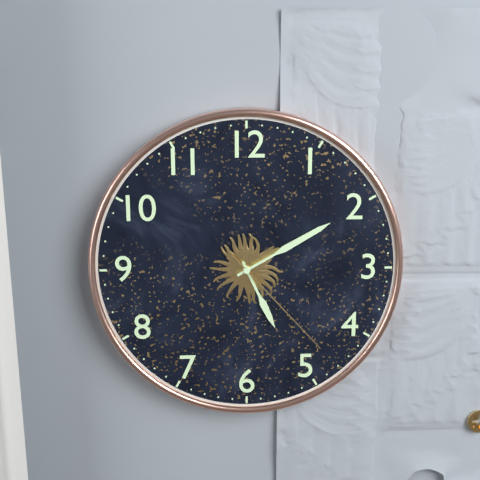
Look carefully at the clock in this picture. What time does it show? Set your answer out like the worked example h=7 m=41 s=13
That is h=5 m=10 s=23
